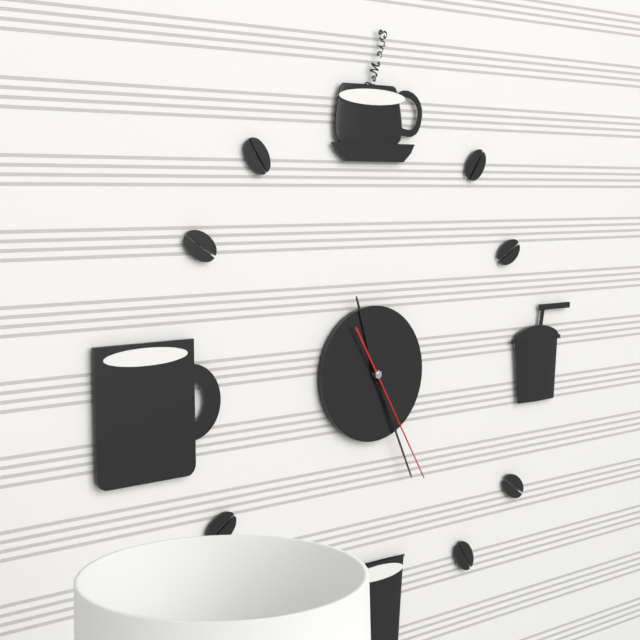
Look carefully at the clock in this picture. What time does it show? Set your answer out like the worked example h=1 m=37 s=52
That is h=11 m=26 s=25
